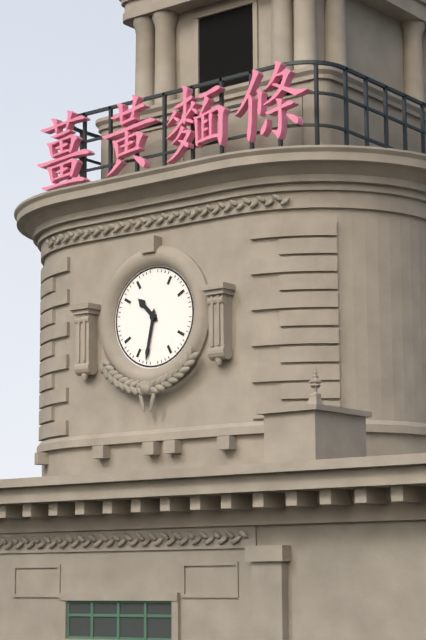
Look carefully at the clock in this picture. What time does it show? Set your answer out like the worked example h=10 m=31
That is h=10 m=32
